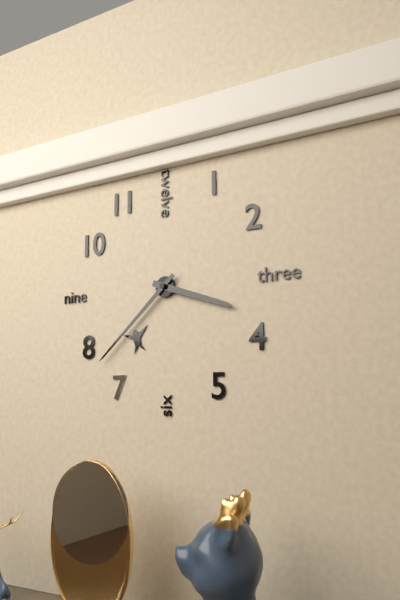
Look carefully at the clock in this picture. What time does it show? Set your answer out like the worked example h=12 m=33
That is h=3 m=38
